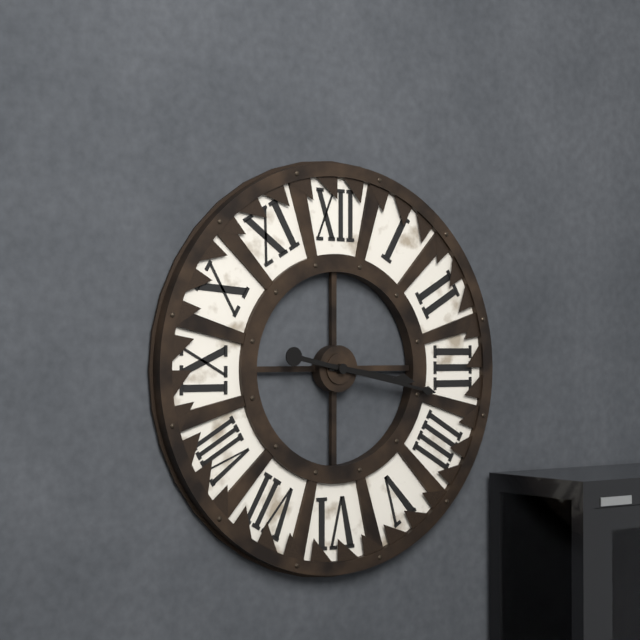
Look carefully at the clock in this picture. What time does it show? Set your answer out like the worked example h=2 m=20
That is h=3 m=17
